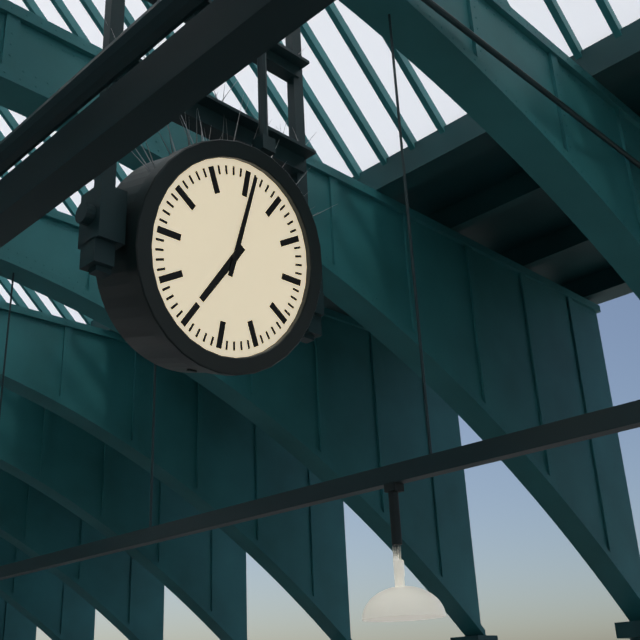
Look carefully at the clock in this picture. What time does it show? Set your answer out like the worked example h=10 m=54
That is h=7 m=1
